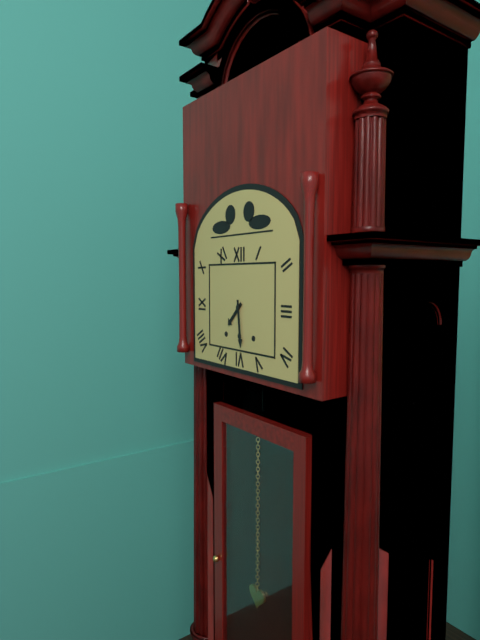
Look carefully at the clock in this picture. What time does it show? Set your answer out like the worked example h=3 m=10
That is h=7 m=29
